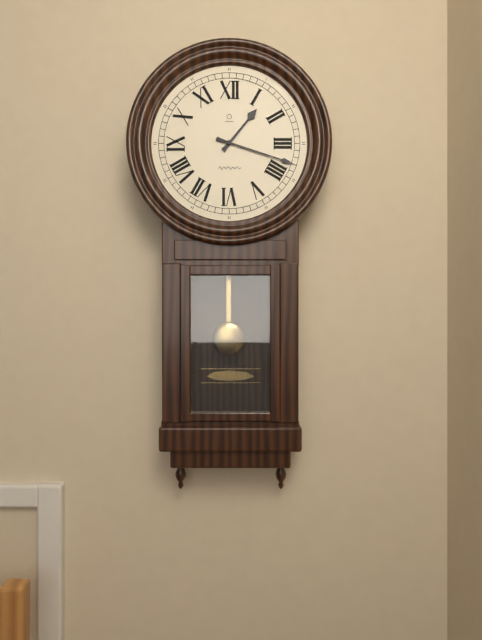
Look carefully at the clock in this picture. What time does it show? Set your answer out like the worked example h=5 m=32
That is h=1 m=18
